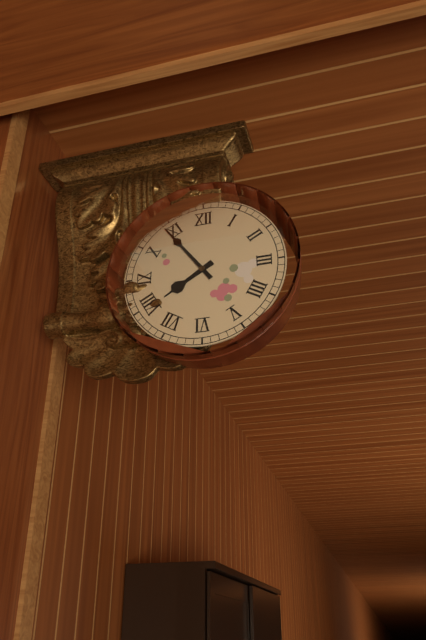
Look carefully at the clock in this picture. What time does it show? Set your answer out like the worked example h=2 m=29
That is h=7 m=54
